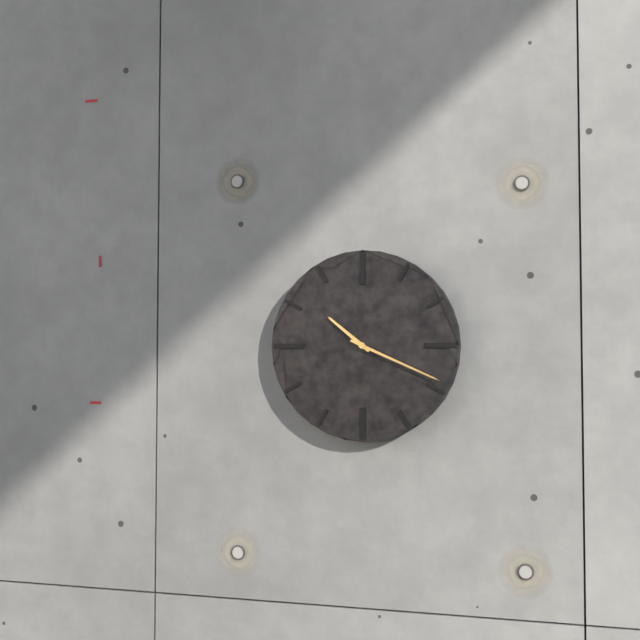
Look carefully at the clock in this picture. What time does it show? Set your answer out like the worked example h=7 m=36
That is h=10 m=19
